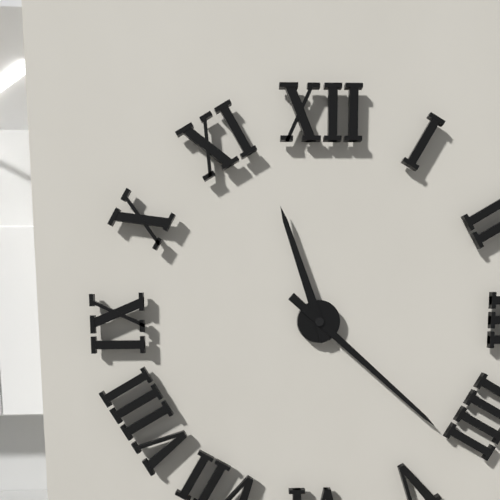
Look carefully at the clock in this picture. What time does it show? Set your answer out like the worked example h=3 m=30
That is h=11 m=22
